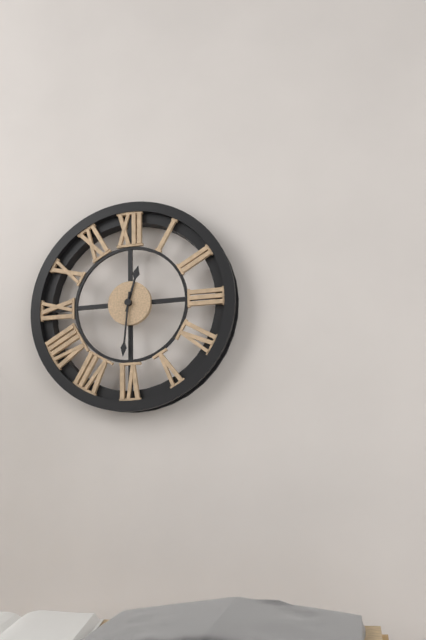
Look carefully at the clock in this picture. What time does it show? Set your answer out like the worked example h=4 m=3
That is h=12 m=31
